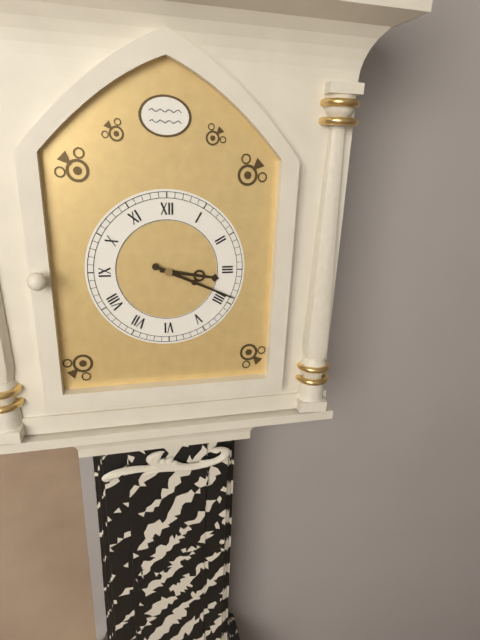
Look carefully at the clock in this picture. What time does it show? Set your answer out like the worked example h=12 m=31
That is h=3 m=19
